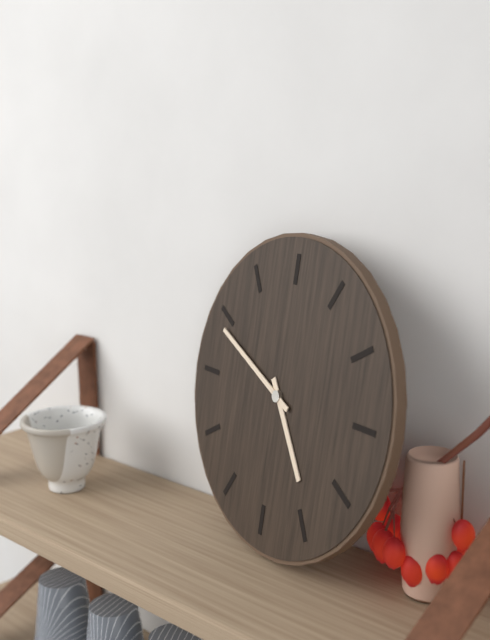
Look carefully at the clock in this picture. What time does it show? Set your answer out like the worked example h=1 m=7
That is h=4 m=49
